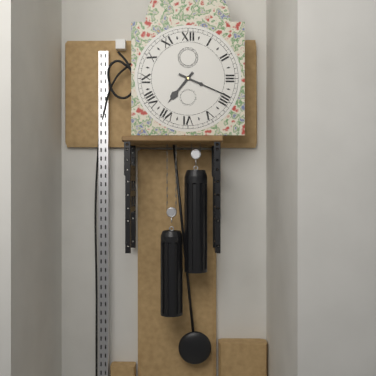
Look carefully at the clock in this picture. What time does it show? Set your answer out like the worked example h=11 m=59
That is h=7 m=19
